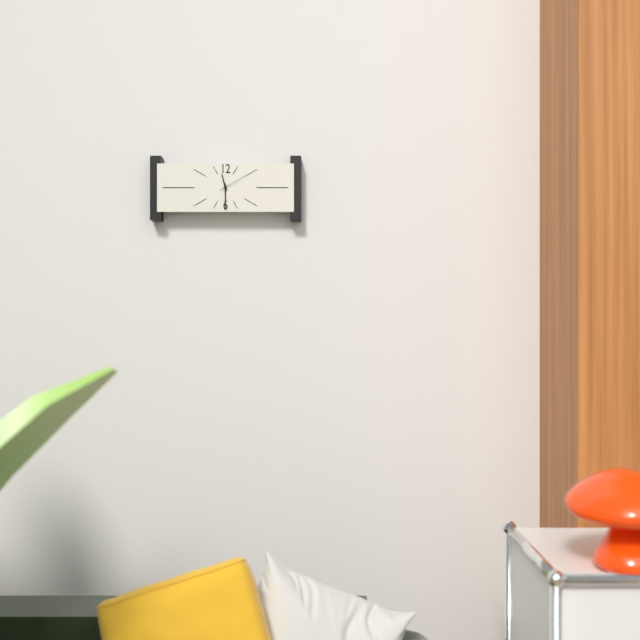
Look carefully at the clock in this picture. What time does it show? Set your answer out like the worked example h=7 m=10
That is h=11 m=30
